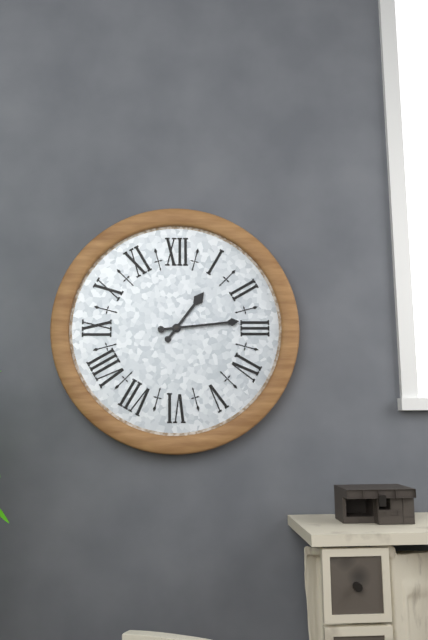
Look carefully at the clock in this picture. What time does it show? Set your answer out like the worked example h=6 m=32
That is h=1 m=14
